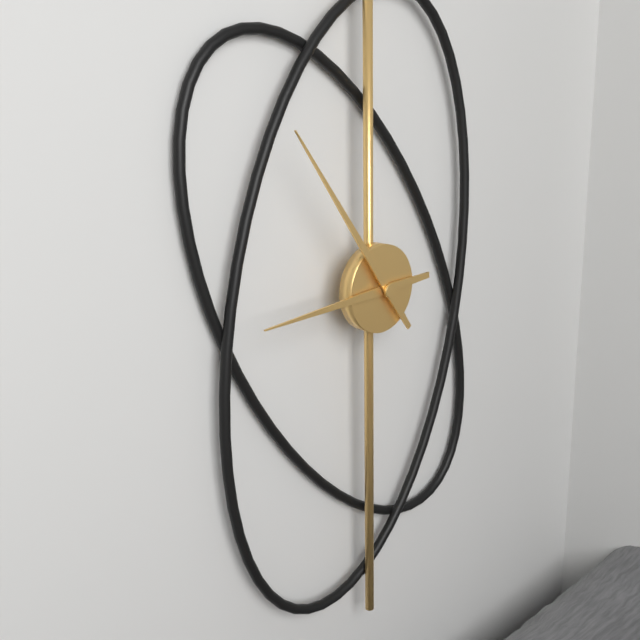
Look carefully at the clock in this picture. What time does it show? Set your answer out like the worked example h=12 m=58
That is h=8 m=54
